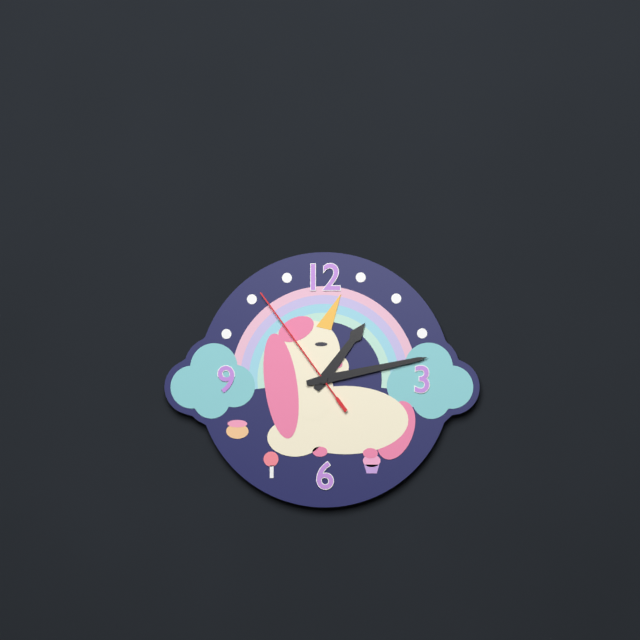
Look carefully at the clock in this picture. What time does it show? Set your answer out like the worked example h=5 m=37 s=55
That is h=1 m=13 s=54
